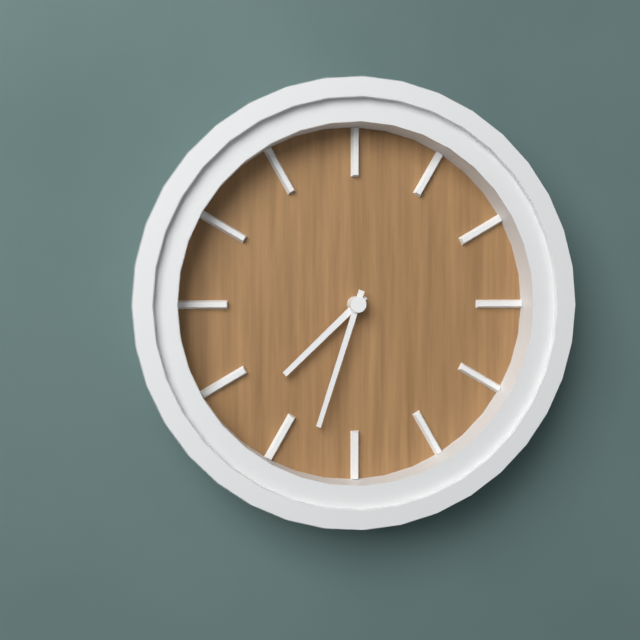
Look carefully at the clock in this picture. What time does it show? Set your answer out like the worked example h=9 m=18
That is h=7 m=33
